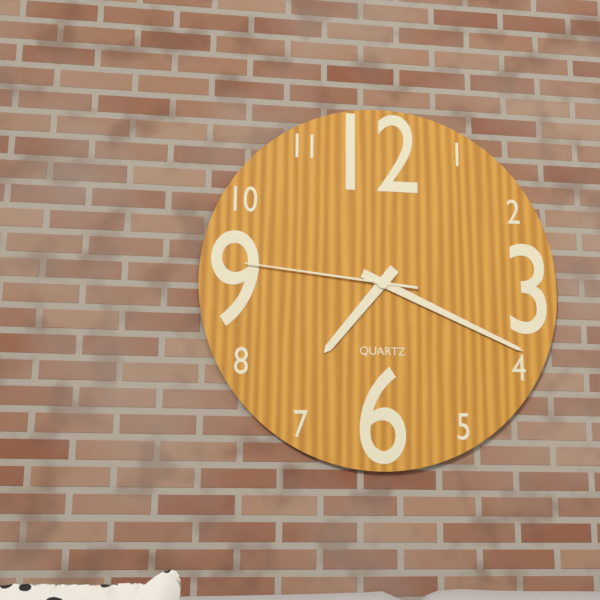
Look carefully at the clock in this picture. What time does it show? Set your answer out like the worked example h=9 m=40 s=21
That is h=7 m=19 s=46
